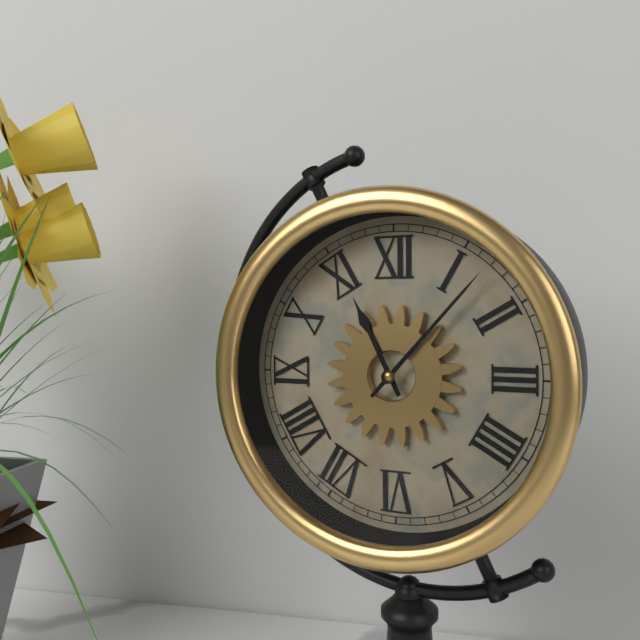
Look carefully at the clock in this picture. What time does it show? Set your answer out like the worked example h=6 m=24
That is h=11 m=7
